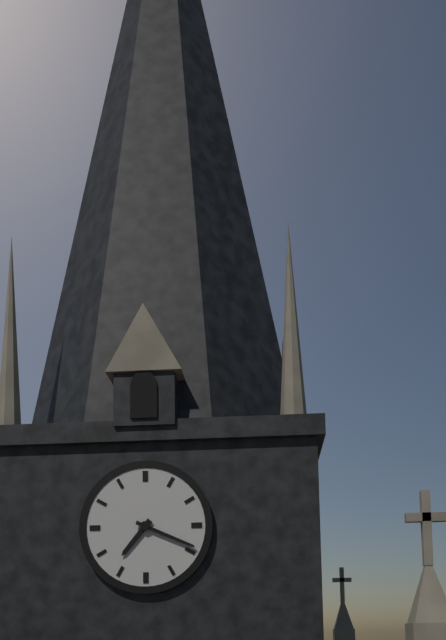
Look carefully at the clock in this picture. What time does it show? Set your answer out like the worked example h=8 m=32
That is h=7 m=19
